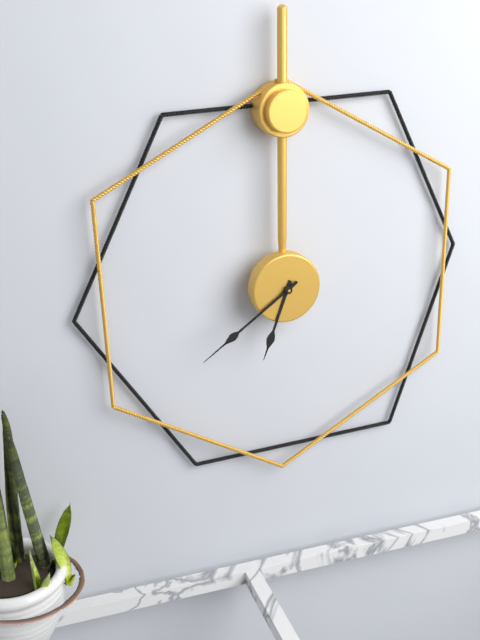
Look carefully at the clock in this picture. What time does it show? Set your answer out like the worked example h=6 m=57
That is h=6 m=39
